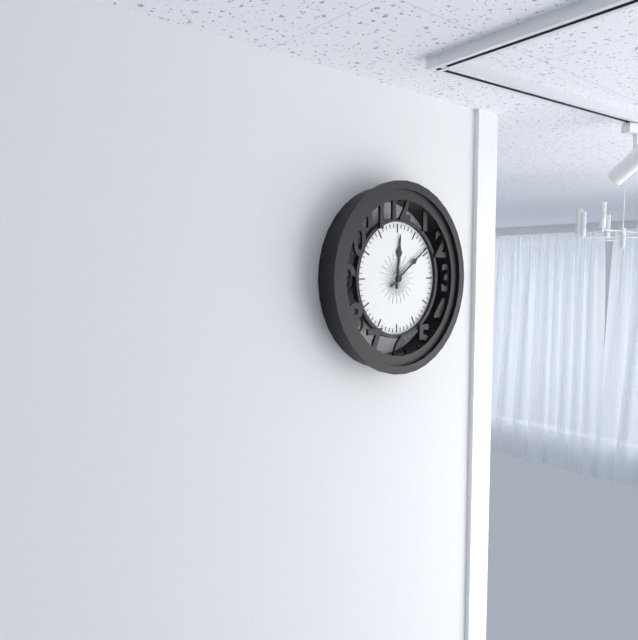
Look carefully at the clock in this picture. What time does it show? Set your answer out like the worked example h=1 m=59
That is h=12 m=9
